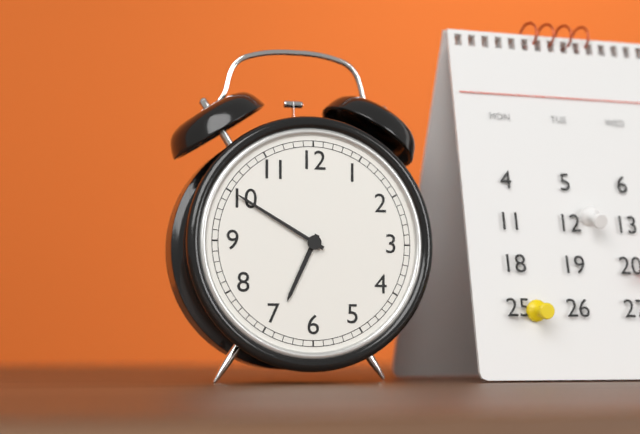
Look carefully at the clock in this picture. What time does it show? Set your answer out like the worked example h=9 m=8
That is h=6 m=50
